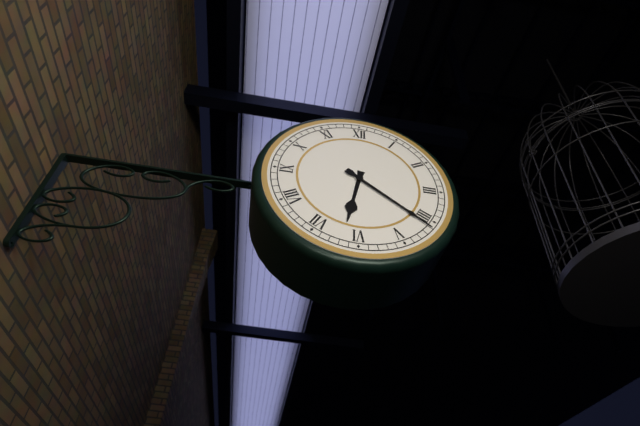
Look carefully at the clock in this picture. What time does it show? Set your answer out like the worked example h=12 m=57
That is h=6 m=21
